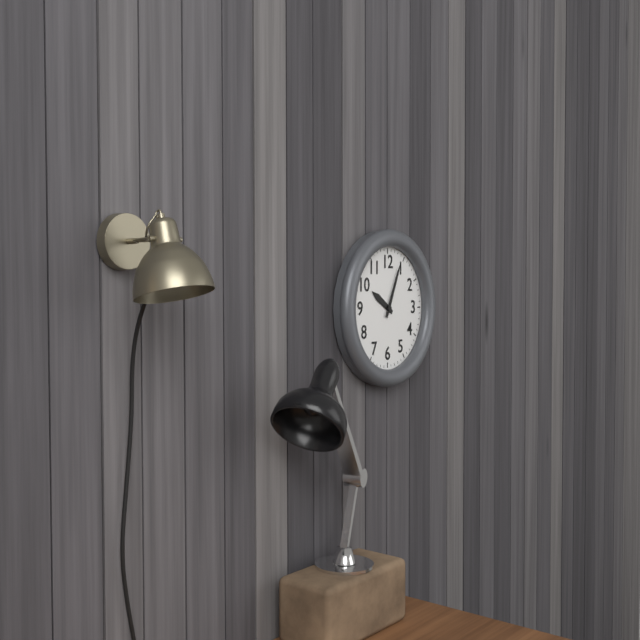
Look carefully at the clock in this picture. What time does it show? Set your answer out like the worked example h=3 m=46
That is h=10 m=4
